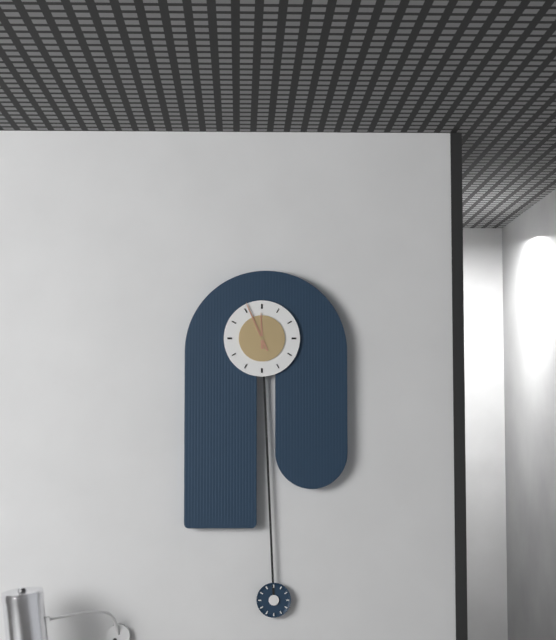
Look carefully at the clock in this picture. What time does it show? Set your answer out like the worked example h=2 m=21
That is h=11 m=56
